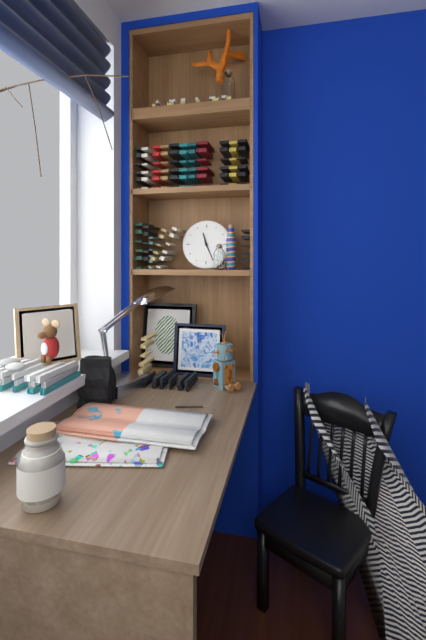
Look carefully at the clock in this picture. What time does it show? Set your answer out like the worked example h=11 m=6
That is h=11 m=26
